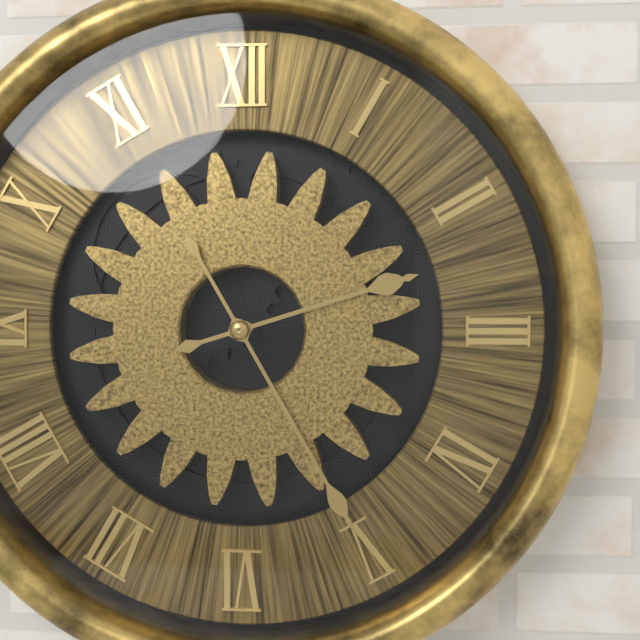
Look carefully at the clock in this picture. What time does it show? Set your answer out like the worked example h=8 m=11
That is h=2 m=25
